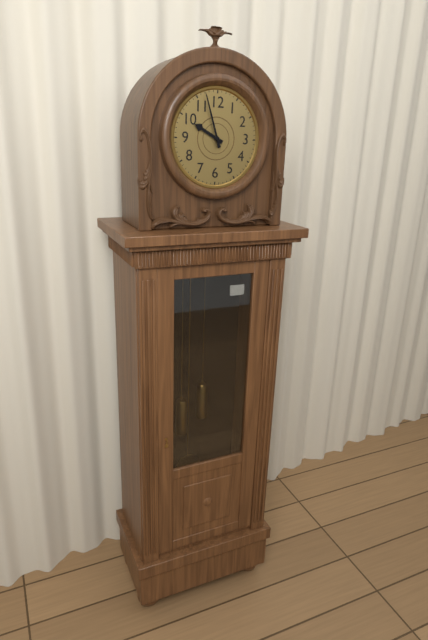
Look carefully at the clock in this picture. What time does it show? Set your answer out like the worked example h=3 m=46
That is h=9 m=57
